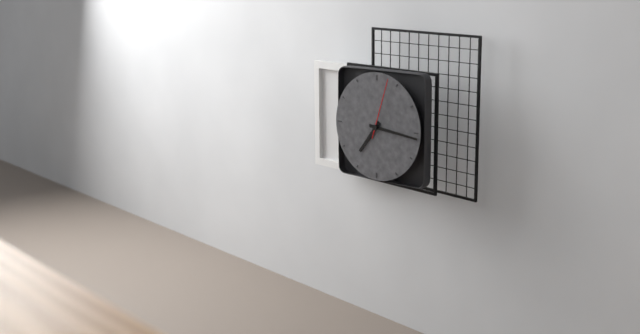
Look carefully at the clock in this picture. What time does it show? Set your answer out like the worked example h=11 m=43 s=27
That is h=7 m=16 s=3
